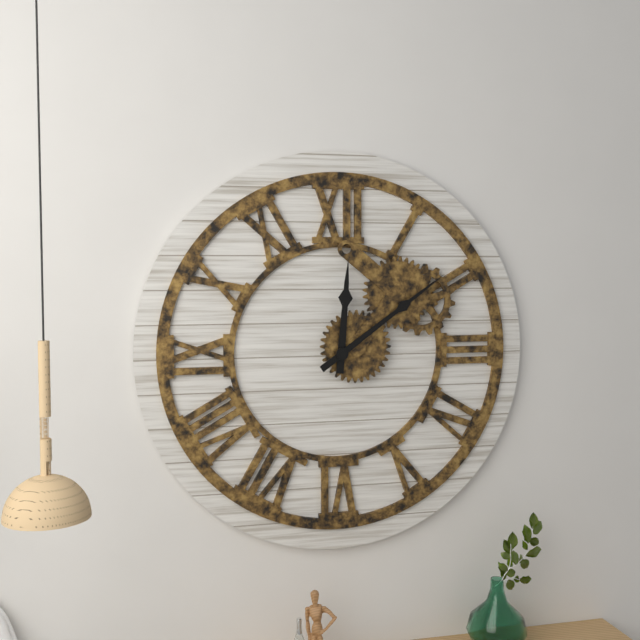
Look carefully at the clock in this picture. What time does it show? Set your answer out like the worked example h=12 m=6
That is h=12 m=9
